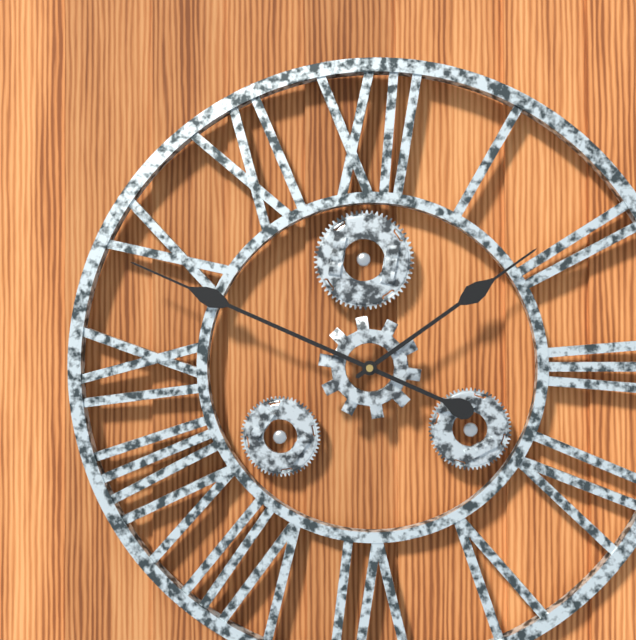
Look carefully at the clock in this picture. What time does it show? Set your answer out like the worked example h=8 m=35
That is h=1 m=49
